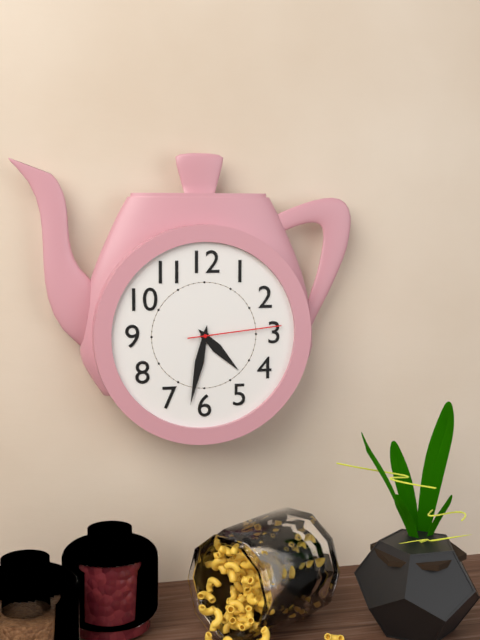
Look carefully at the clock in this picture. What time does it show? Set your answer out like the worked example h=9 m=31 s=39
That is h=4 m=32 s=14
